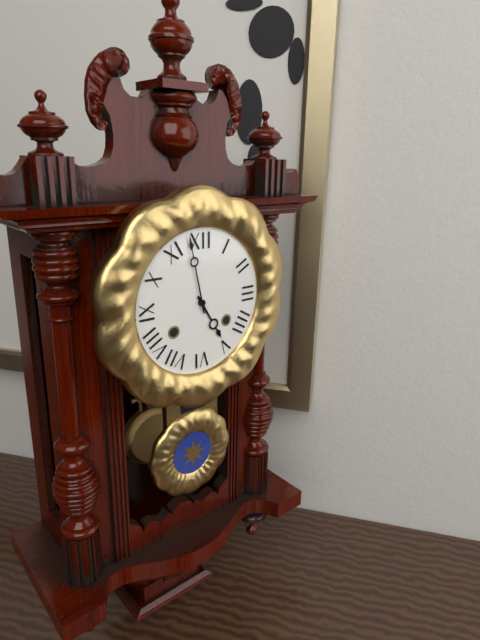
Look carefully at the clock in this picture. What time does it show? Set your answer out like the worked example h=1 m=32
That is h=4 m=58
